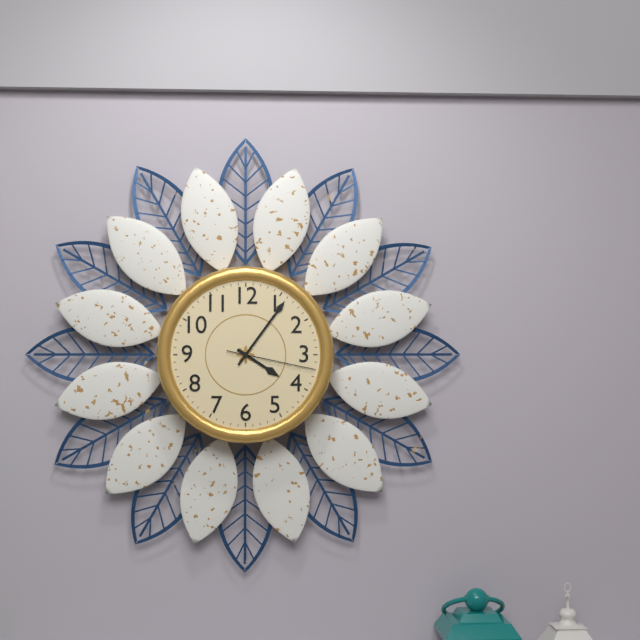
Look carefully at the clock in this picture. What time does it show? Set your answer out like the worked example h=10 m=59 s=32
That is h=4 m=6 s=17
